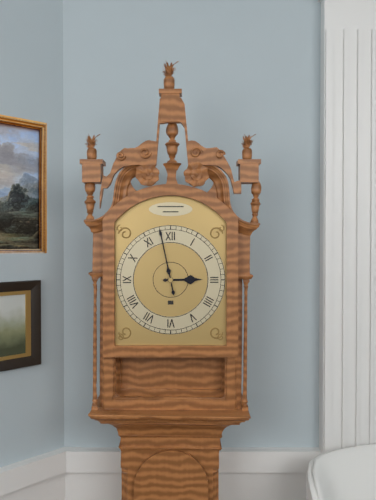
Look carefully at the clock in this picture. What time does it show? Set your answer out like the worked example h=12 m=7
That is h=2 m=58
